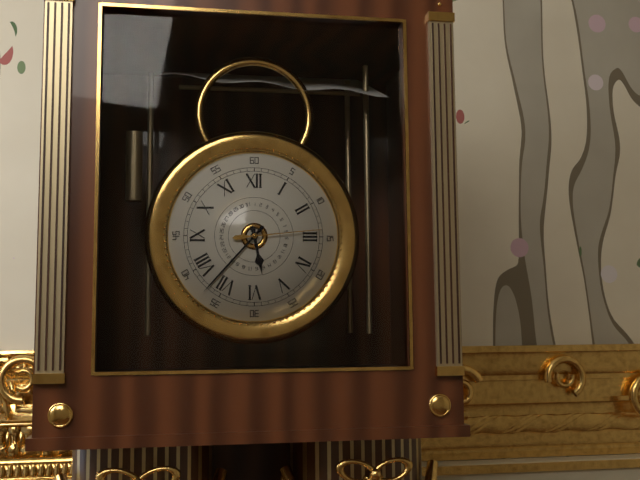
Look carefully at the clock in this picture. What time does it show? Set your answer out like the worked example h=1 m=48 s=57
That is h=5 m=37 s=14
